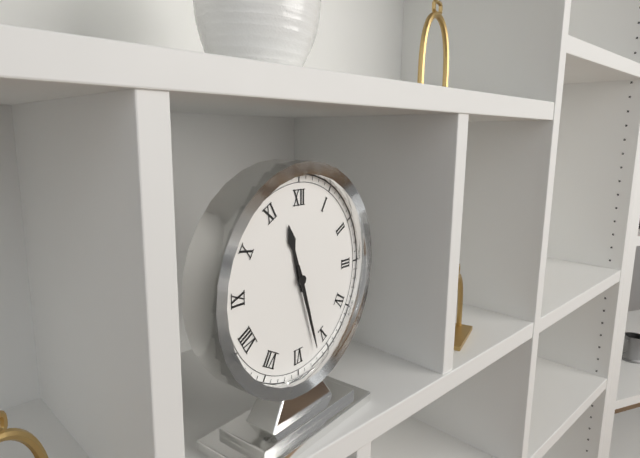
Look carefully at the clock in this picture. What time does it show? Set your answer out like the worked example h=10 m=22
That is h=11 m=27
